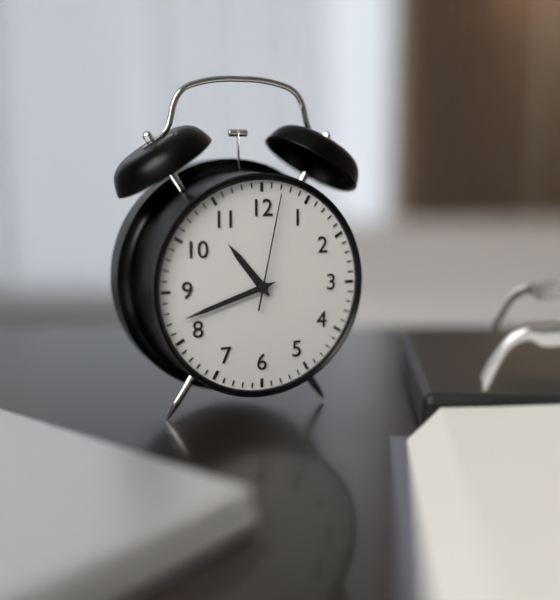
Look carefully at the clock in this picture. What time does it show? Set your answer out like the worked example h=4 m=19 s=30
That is h=10 m=42 s=2
